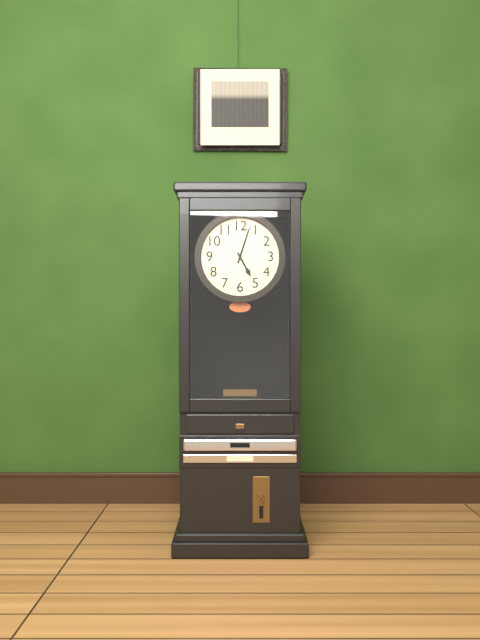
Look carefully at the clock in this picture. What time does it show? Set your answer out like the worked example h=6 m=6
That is h=5 m=3
